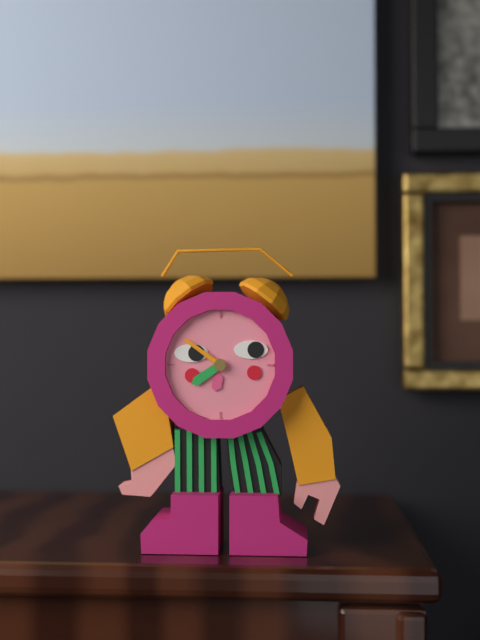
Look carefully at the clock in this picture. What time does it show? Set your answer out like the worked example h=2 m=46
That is h=7 m=51
